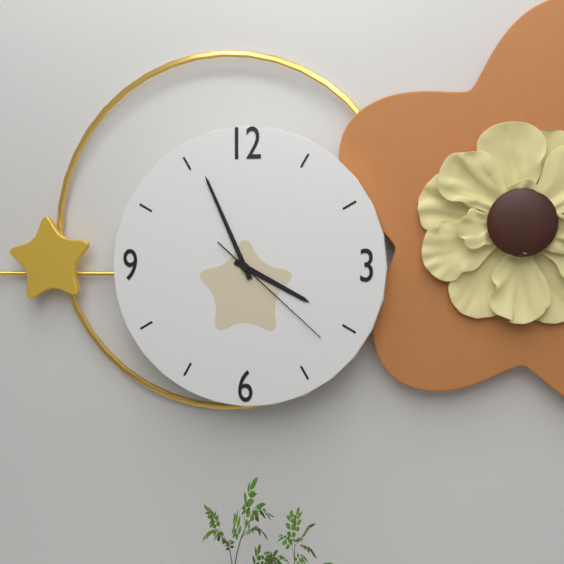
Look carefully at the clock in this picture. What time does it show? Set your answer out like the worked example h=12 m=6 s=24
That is h=3 m=56 s=22
